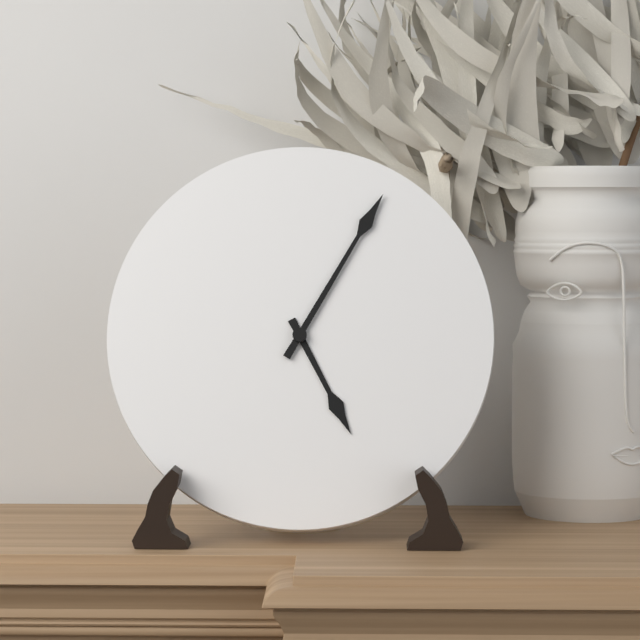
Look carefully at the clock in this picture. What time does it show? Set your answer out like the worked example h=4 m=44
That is h=5 m=5
